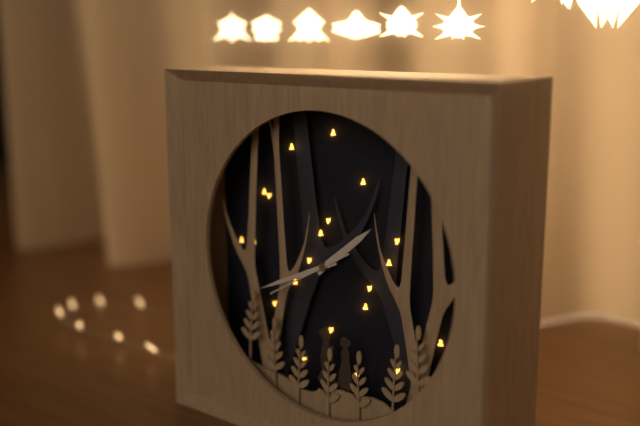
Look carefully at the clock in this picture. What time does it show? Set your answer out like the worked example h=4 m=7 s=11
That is h=1 m=41 s=40
